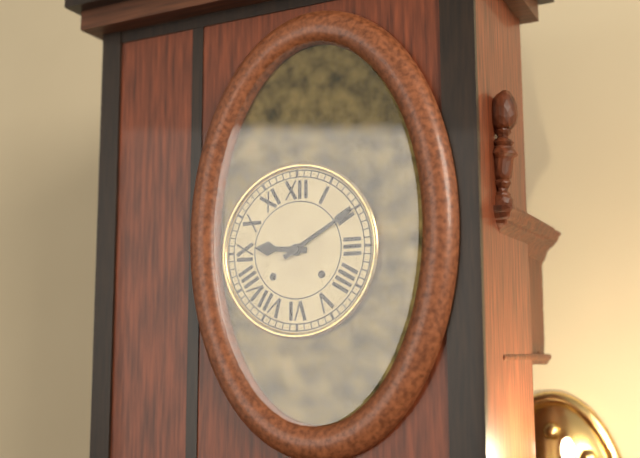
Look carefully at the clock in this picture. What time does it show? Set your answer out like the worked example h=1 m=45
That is h=9 m=10
